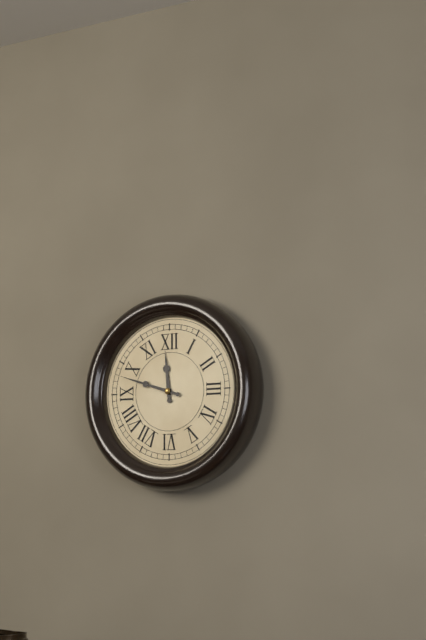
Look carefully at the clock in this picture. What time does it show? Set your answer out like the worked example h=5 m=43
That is h=11 m=48
